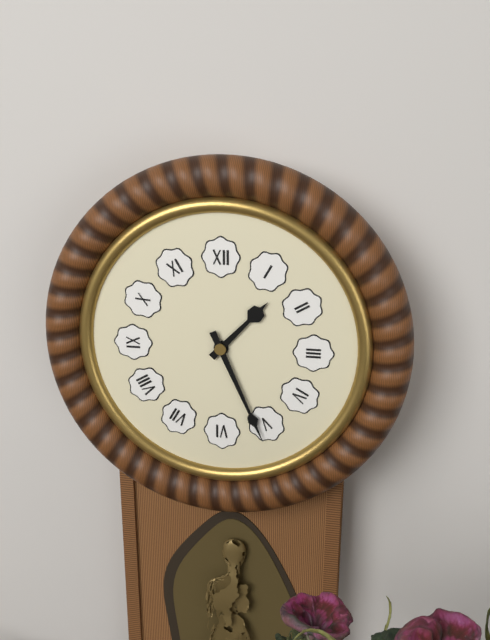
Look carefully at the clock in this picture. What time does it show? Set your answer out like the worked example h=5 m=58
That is h=1 m=26
